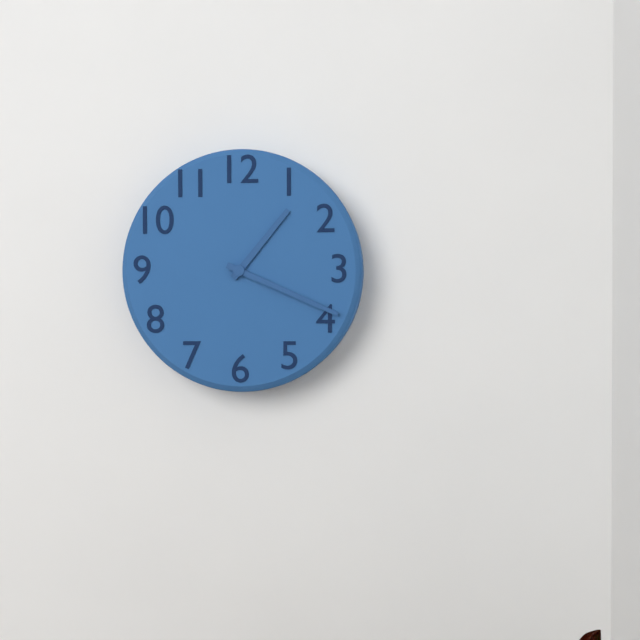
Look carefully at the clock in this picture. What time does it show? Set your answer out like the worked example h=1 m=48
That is h=1 m=19
